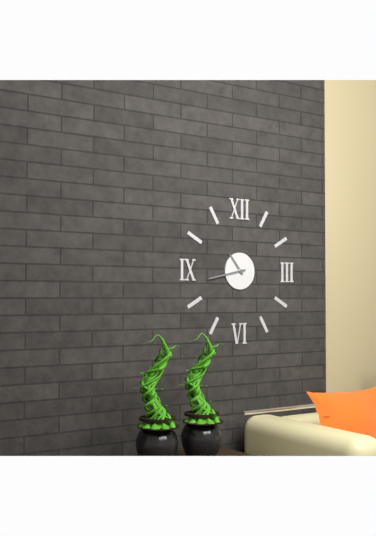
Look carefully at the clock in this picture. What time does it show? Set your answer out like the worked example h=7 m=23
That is h=10 m=43
